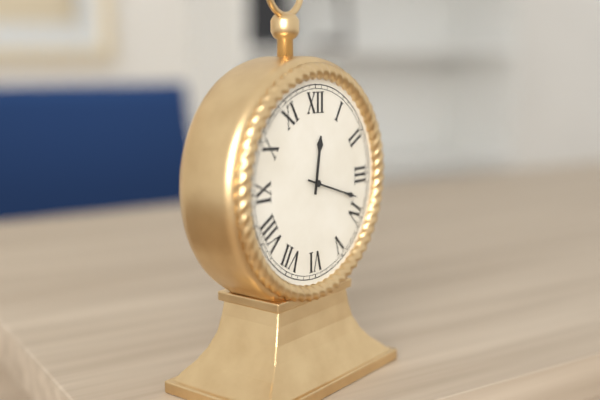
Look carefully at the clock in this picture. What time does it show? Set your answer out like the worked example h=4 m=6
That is h=12 m=18
